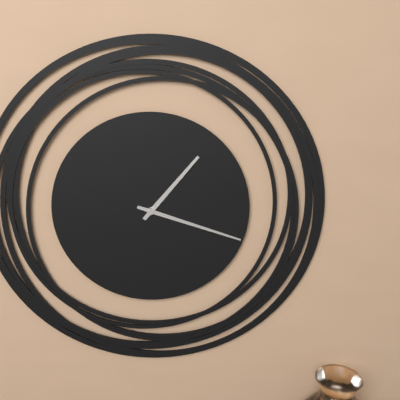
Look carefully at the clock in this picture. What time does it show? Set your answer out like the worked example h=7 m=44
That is h=1 m=18
